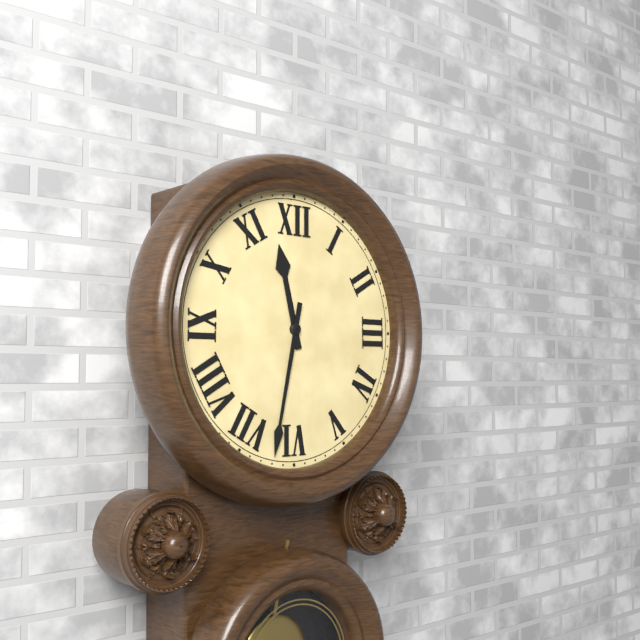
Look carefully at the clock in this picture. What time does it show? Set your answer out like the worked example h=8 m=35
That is h=11 m=32
